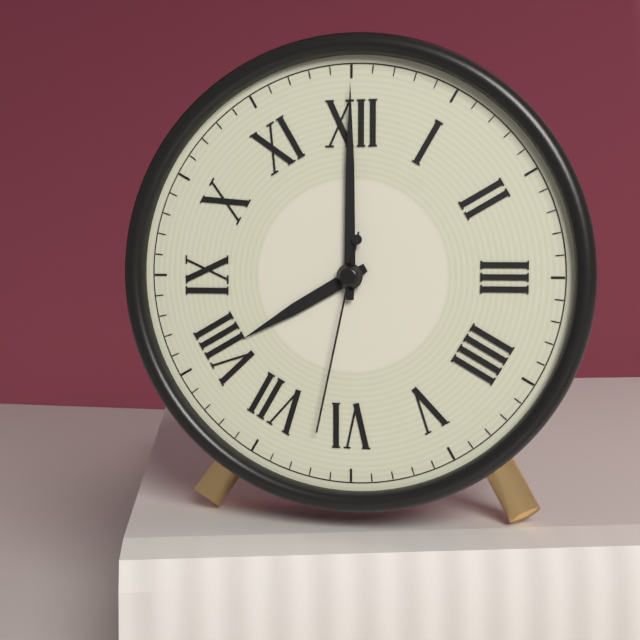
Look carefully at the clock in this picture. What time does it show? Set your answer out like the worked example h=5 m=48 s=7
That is h=8 m=0 s=32
